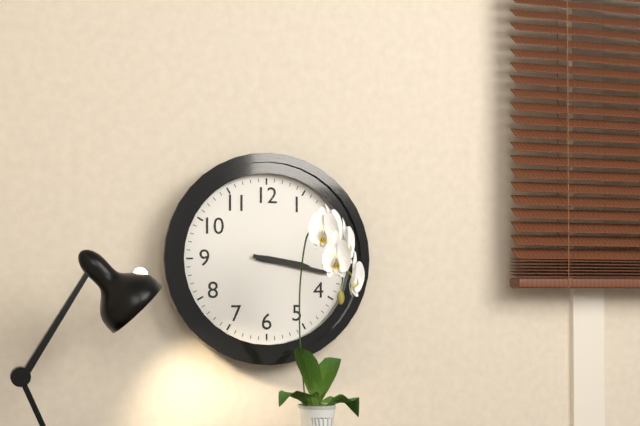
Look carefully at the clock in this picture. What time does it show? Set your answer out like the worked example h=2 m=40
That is h=3 m=17
